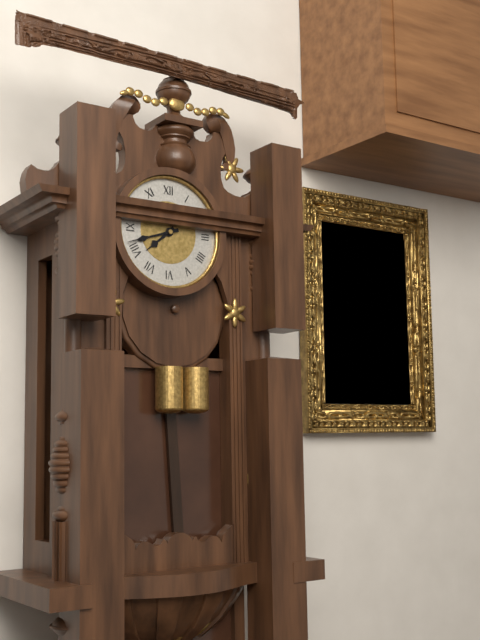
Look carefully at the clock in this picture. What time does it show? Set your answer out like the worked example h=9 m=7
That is h=7 m=42
